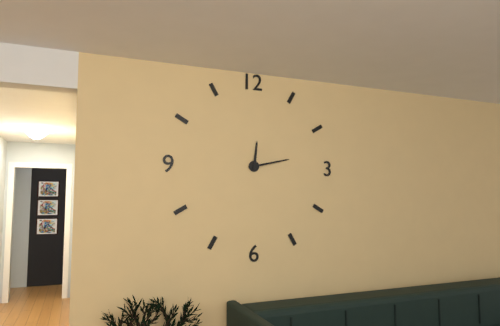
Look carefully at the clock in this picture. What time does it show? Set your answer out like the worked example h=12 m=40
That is h=12 m=13
